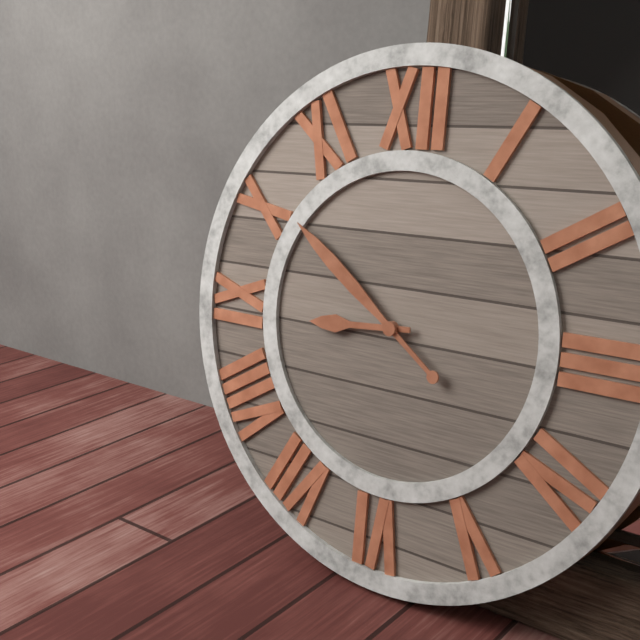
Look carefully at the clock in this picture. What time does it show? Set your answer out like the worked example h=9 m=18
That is h=8 m=51
